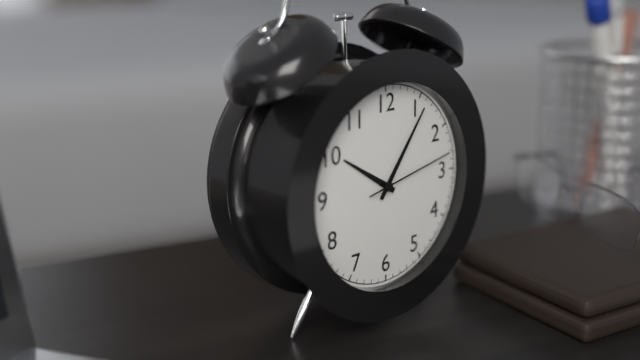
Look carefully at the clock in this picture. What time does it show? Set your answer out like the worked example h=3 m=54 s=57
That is h=10 m=6 s=13
